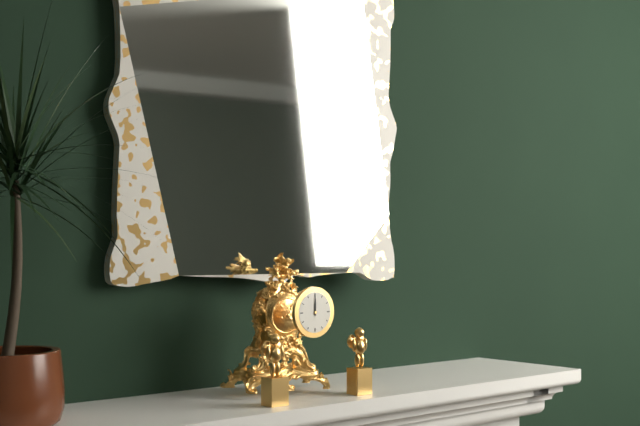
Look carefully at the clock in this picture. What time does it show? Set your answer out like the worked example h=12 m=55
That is h=12 m=0
